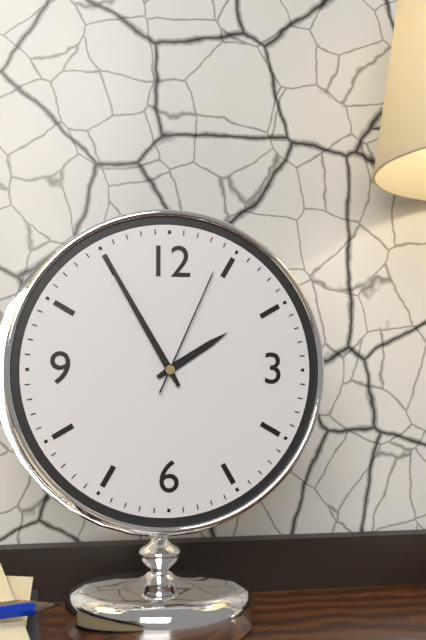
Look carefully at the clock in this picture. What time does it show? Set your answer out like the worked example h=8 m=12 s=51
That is h=1 m=55 s=4
